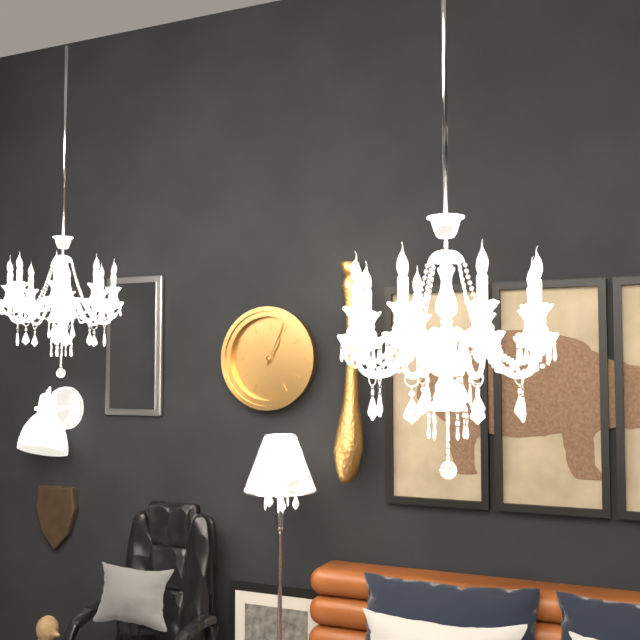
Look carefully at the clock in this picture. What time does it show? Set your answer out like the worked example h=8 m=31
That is h=1 m=4
